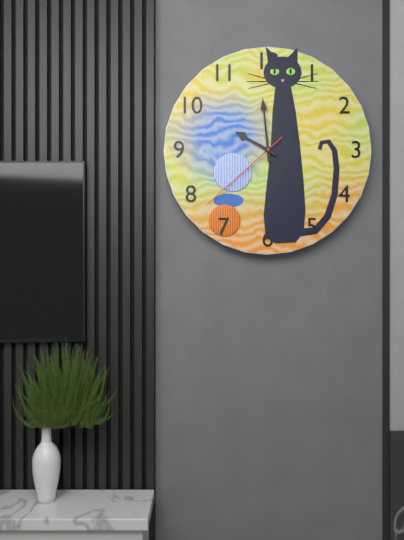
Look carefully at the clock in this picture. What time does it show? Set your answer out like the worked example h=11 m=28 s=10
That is h=9 m=59 s=38
